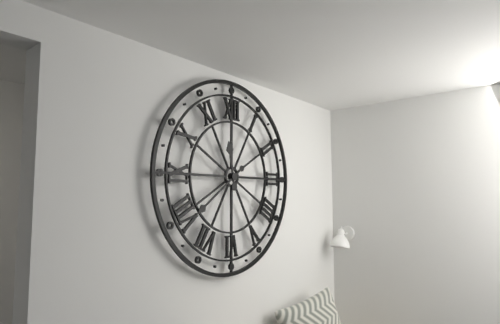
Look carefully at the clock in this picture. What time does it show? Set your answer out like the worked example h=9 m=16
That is h=11 m=39
